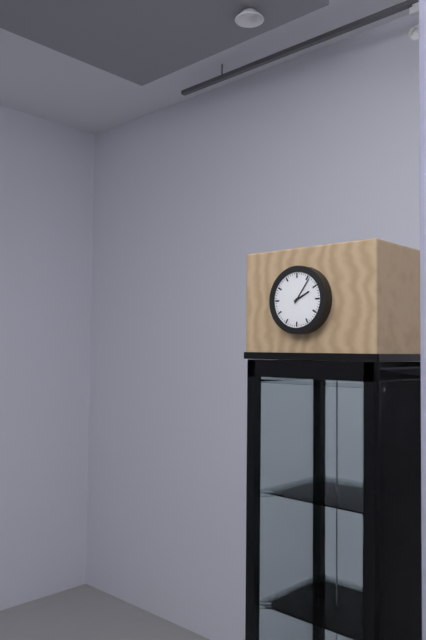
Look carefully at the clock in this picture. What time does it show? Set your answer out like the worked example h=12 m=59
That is h=2 m=6
